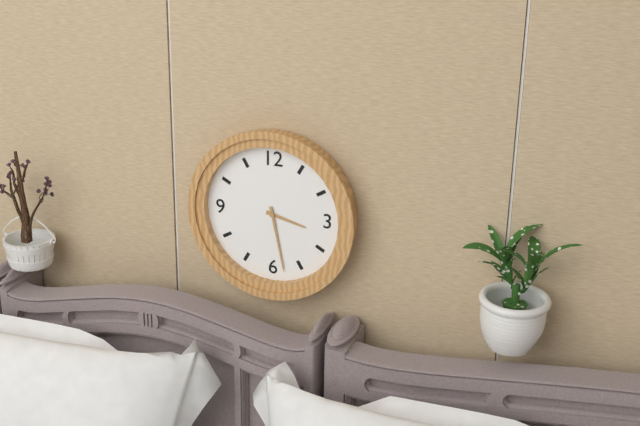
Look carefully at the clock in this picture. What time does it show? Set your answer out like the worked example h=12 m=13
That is h=3 m=28
